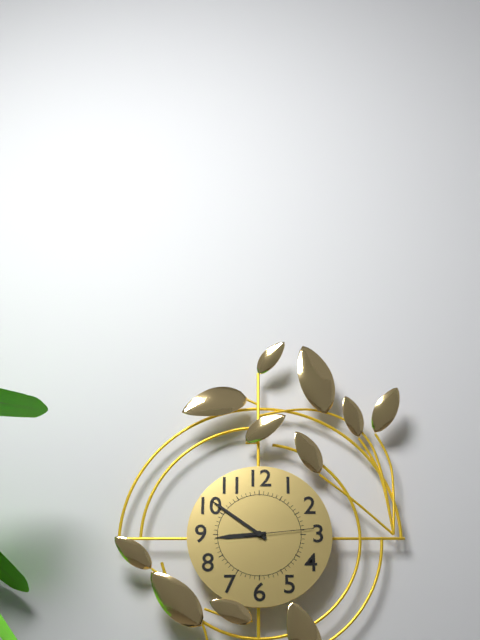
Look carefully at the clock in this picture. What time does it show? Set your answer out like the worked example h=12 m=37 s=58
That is h=8 m=51 s=14
